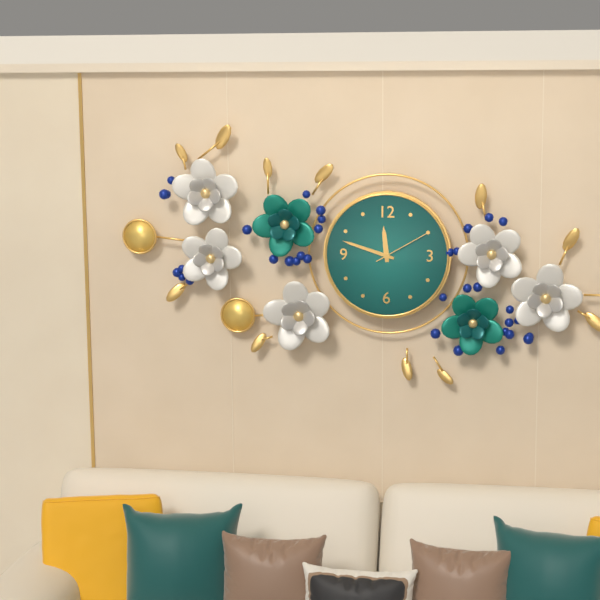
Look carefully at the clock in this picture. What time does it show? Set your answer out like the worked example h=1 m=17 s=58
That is h=11 m=48 s=10
